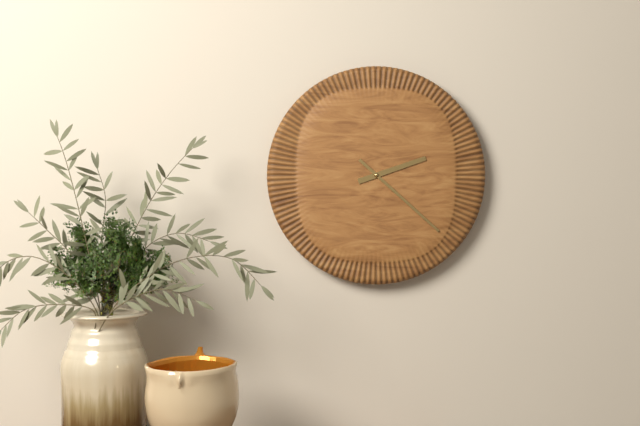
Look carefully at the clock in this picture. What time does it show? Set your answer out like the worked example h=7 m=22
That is h=2 m=22
